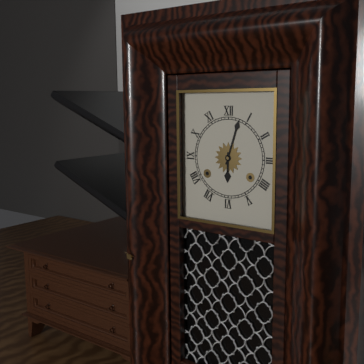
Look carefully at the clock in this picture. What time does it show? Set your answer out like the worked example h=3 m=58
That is h=6 m=3
